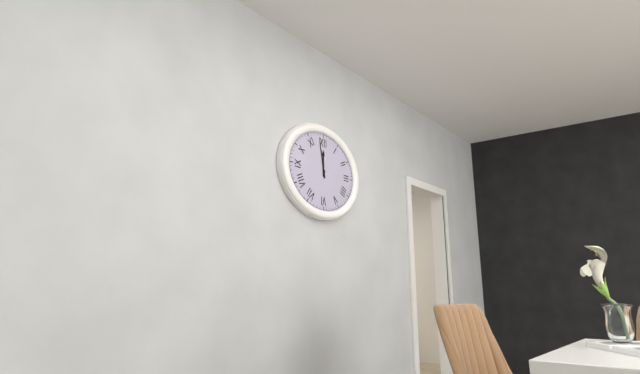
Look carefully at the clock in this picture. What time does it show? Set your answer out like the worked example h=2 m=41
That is h=11 m=58
